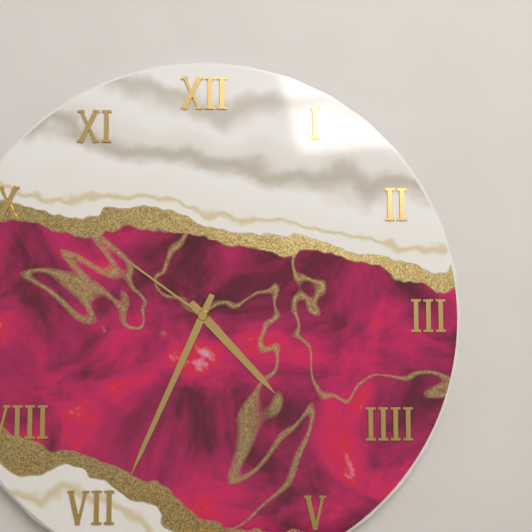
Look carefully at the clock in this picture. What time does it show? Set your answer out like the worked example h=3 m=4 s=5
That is h=4 m=34 s=51
